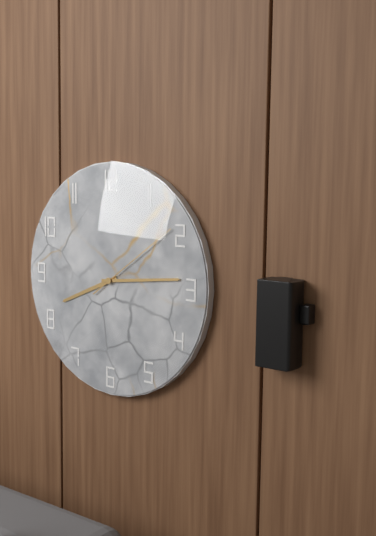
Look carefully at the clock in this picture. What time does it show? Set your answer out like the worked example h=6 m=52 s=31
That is h=8 m=14 s=9
